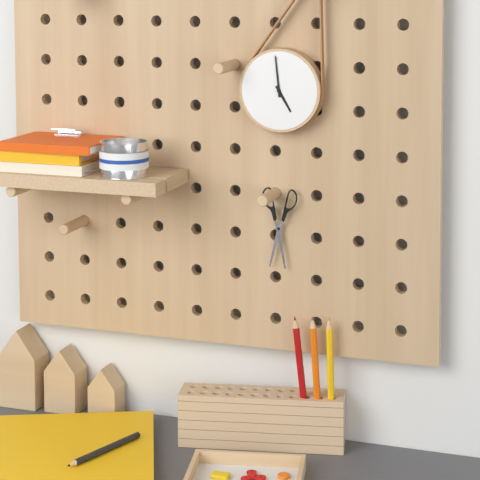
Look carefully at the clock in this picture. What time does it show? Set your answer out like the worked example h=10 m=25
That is h=4 m=59
